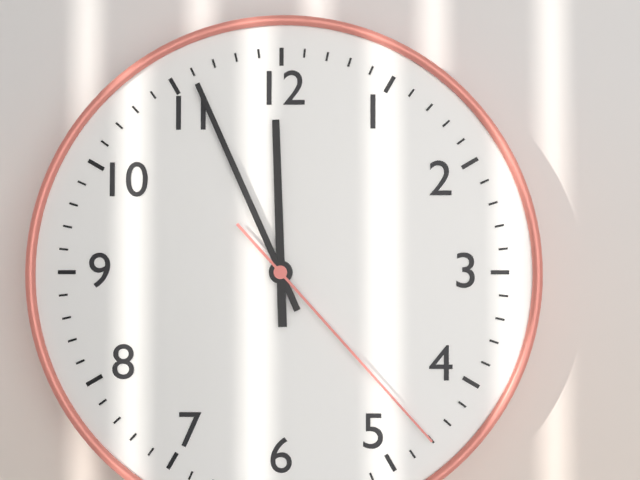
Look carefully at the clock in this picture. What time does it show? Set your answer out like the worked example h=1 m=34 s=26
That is h=11 m=56 s=23
